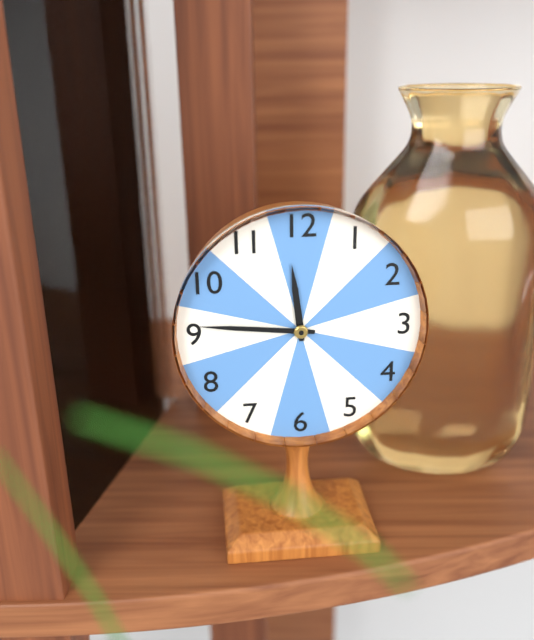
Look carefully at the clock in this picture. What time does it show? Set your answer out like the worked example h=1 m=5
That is h=11 m=46
